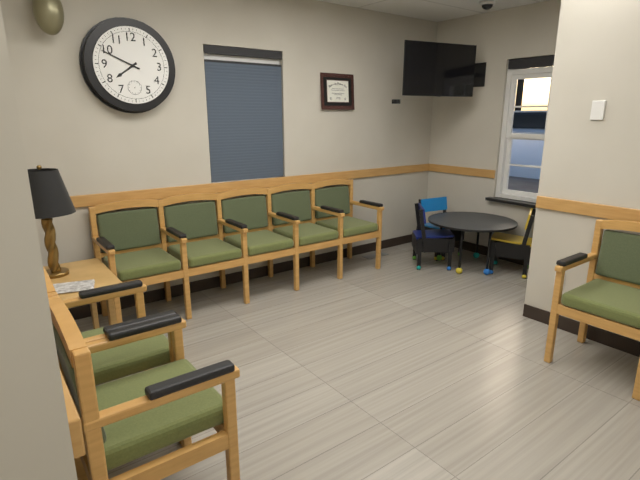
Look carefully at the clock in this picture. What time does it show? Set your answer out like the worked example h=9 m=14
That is h=7 m=49
